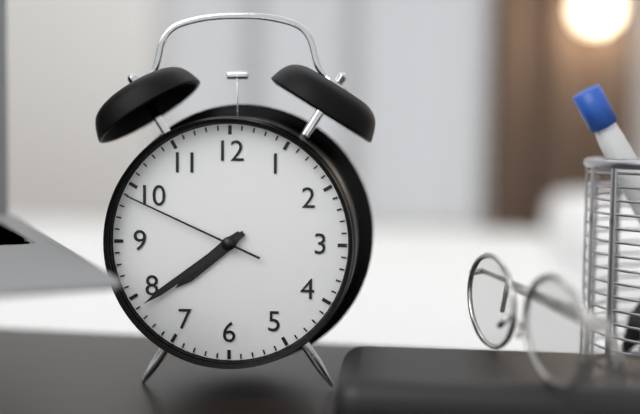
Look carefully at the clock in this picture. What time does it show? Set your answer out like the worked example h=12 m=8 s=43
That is h=7 m=39 s=49
